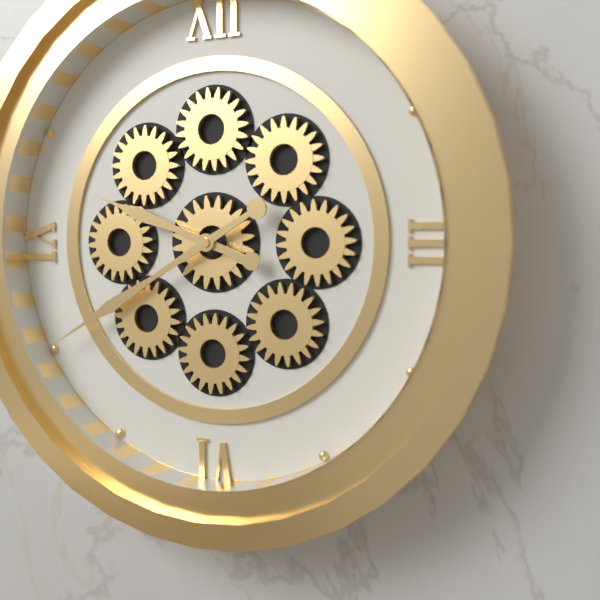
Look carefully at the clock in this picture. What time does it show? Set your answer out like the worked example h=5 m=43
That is h=9 m=40
